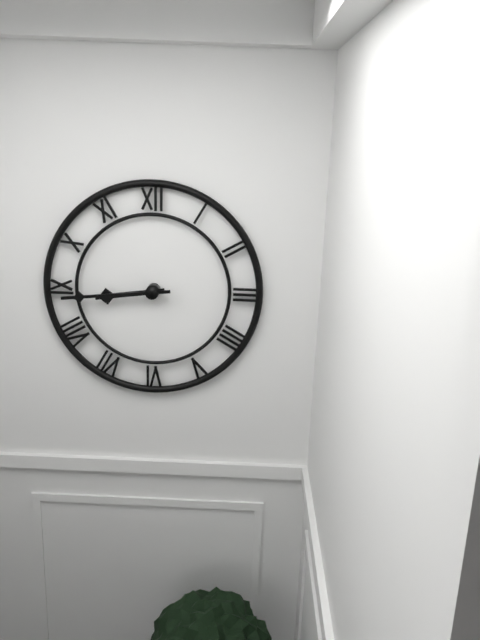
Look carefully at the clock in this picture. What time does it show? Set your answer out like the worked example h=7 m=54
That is h=8 m=44
